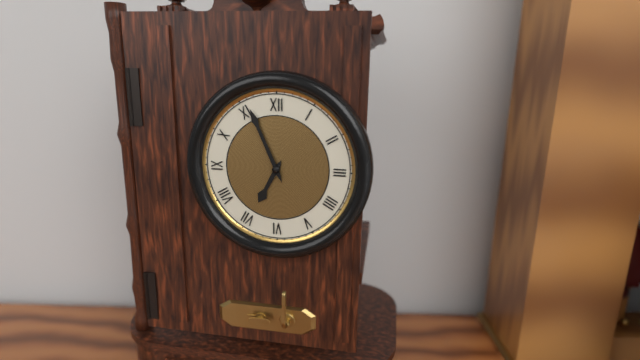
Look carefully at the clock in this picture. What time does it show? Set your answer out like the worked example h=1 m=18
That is h=6 m=56
